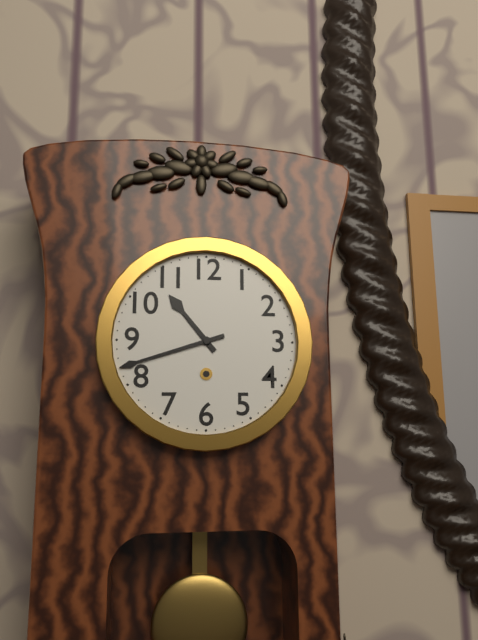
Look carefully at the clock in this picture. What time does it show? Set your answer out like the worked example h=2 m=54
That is h=10 m=42
